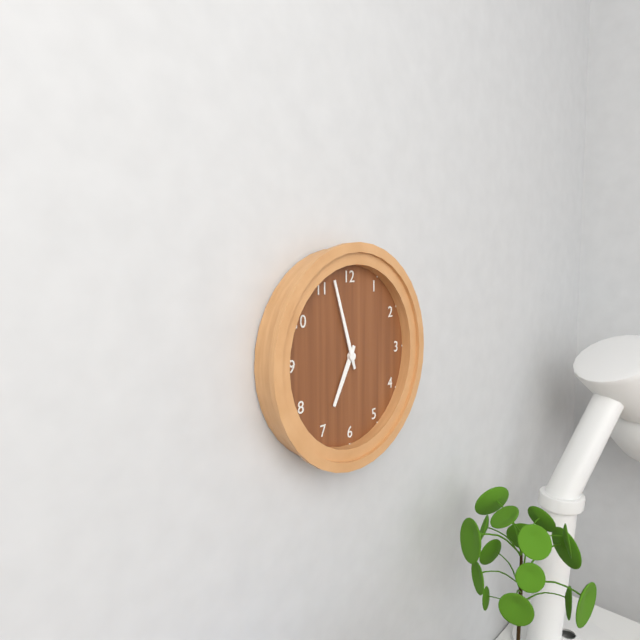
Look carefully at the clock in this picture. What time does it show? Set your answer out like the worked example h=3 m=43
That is h=6 m=57
